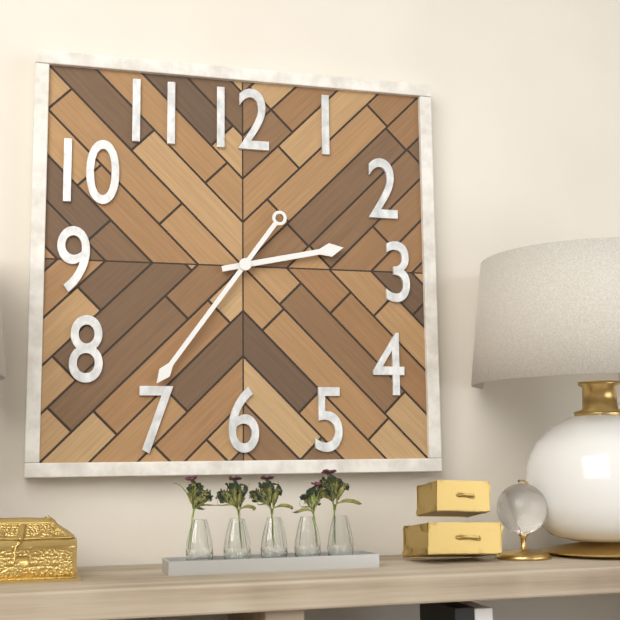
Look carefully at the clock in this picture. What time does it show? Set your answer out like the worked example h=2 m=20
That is h=2 m=36
